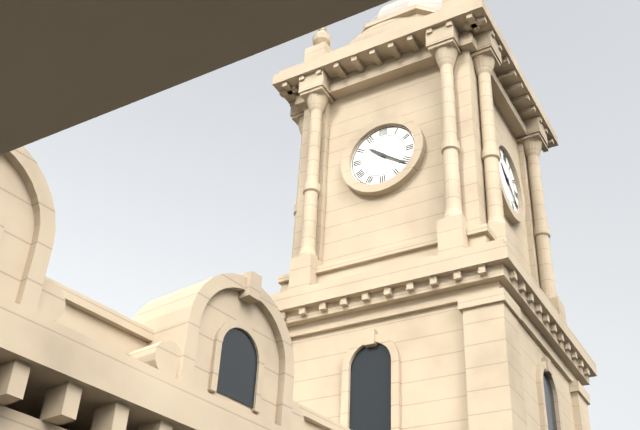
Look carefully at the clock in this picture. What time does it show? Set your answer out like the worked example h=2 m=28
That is h=10 m=21
